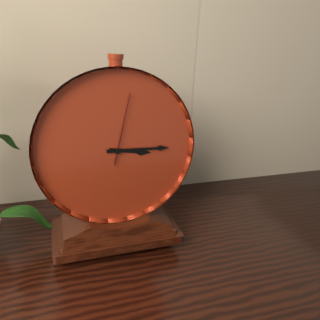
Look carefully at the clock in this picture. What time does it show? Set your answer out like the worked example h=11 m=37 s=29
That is h=3 m=15 s=2
